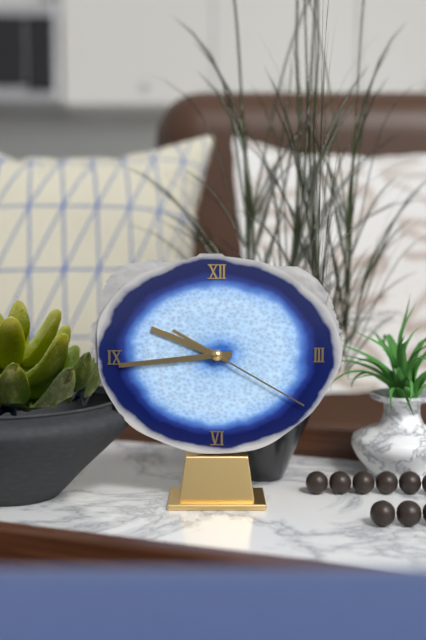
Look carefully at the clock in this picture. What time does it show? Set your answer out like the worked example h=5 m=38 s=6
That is h=9 m=44 s=20
